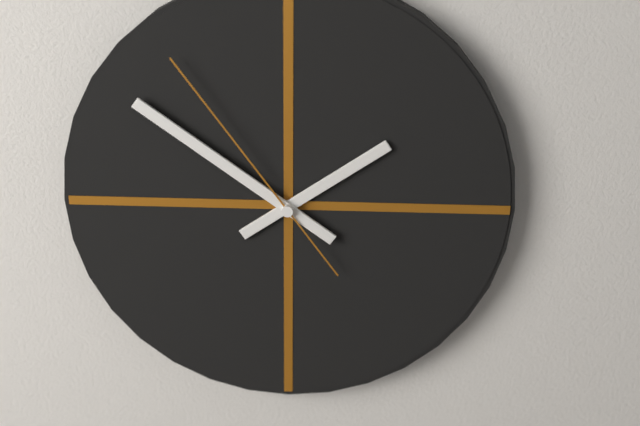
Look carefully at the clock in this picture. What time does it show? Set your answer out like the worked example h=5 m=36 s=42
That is h=1 m=51 s=54
